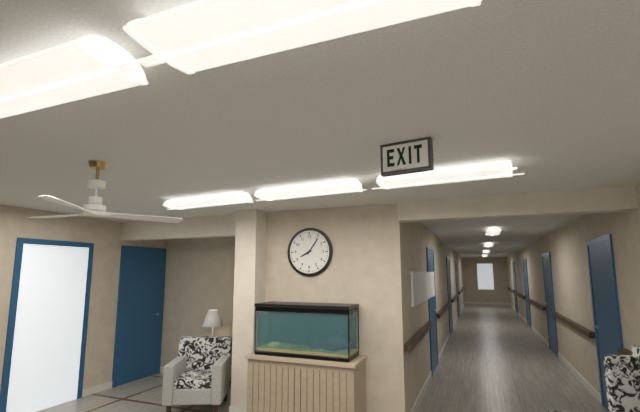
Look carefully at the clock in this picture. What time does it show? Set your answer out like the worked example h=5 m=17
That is h=8 m=6
